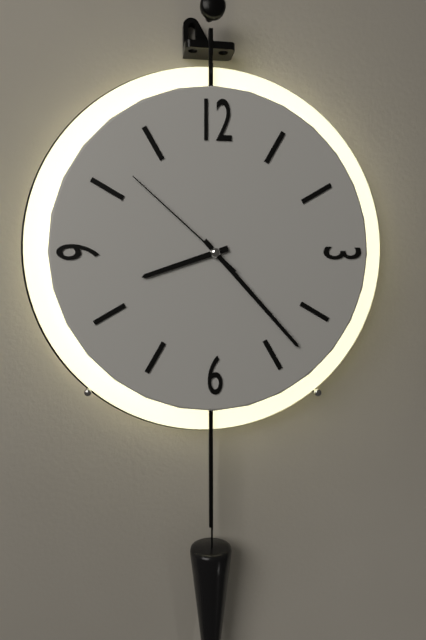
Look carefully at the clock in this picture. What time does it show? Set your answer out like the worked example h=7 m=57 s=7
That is h=8 m=23 s=52
